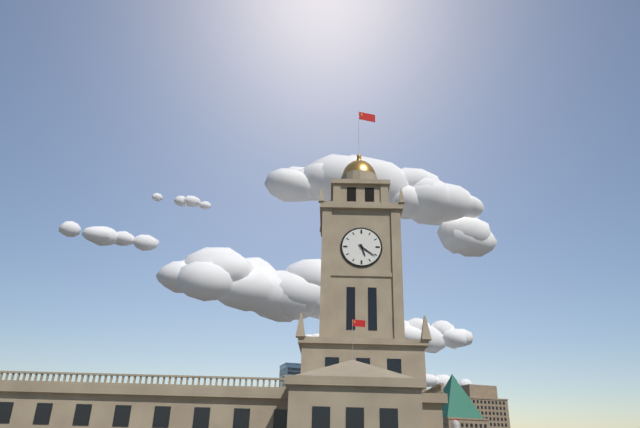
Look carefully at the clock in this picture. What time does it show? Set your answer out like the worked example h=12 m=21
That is h=5 m=21
